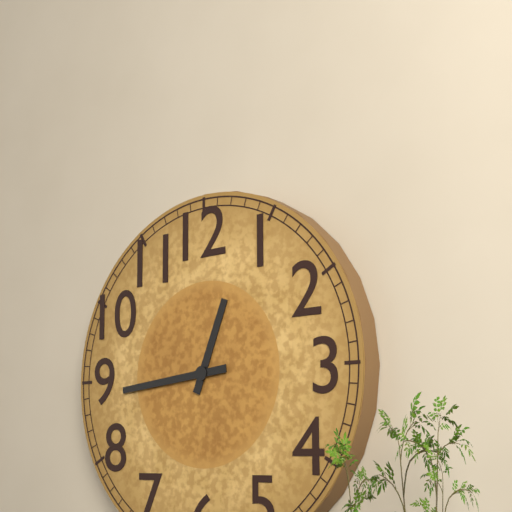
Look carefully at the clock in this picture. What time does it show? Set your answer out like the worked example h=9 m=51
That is h=12 m=44
